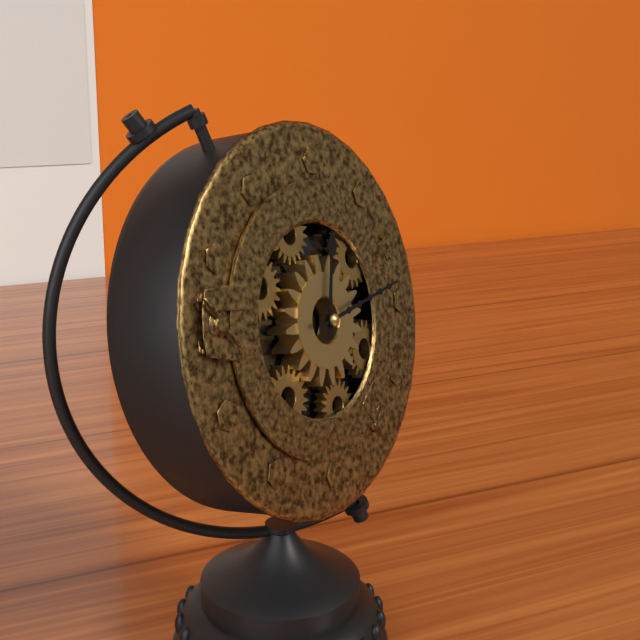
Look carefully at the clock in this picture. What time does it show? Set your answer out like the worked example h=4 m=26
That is h=12 m=12
